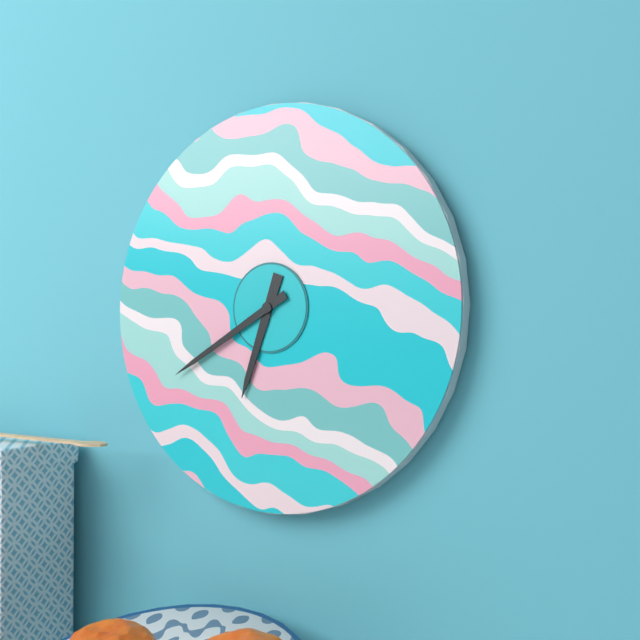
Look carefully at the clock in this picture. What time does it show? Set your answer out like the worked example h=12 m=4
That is h=6 m=40
